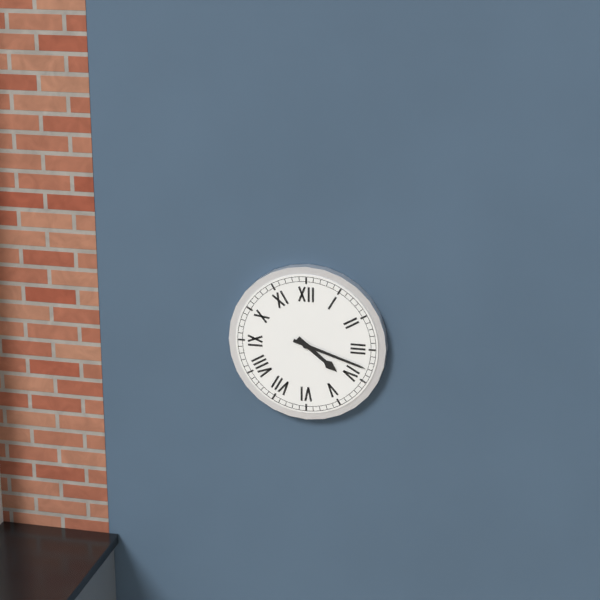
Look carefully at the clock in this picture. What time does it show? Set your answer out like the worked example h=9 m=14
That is h=4 m=18
